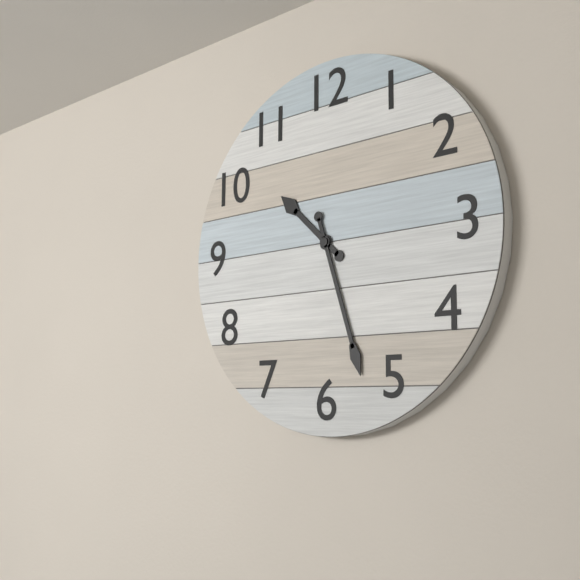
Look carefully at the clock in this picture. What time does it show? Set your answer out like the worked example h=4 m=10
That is h=10 m=27
